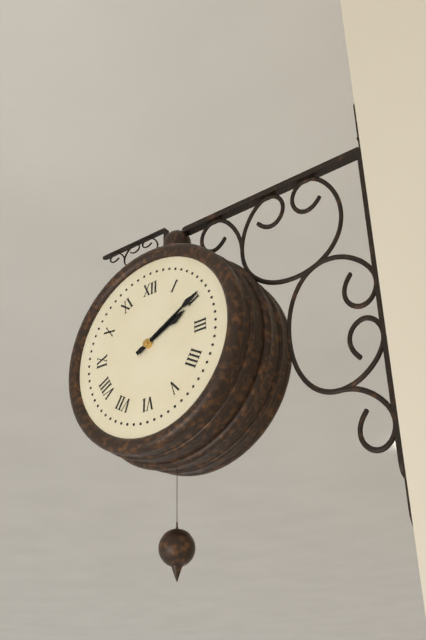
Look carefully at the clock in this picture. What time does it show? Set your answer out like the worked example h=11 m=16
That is h=2 m=10
